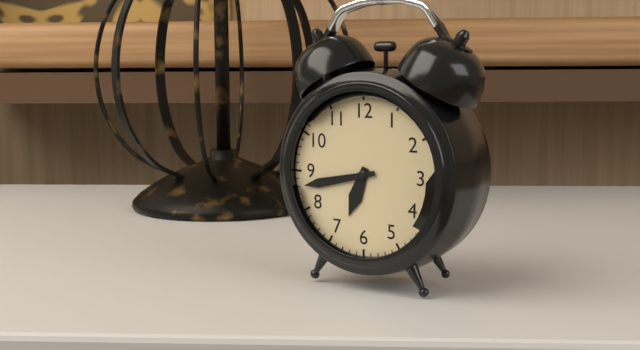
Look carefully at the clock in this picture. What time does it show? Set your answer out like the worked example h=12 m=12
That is h=6 m=43
